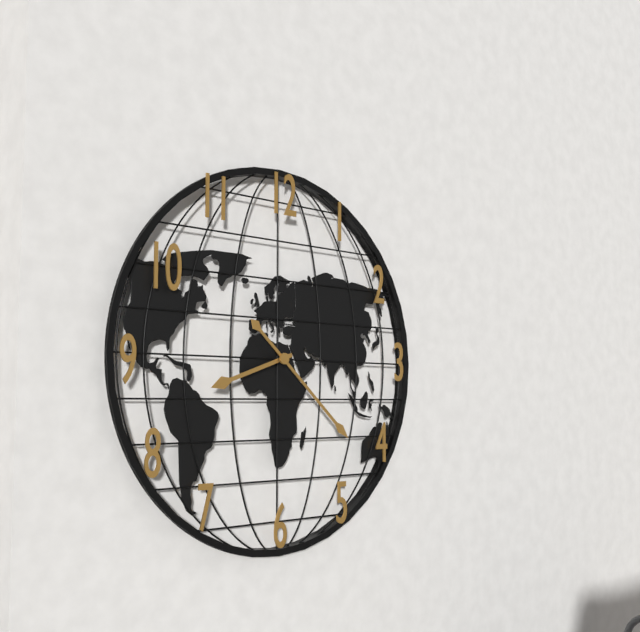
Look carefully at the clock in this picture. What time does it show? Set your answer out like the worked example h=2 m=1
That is h=8 m=22
